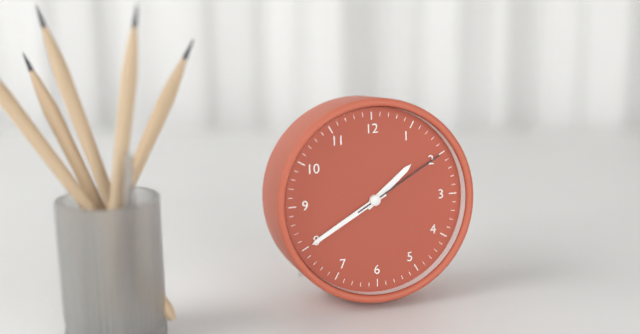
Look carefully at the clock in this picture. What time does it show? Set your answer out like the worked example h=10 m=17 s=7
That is h=1 m=40 s=10
